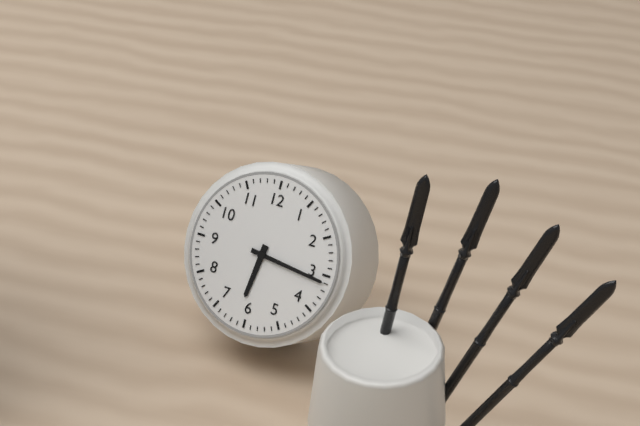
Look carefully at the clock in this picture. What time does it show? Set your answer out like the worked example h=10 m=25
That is h=6 m=16
